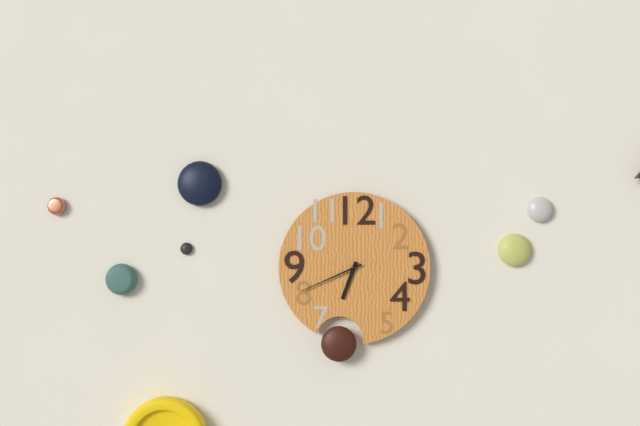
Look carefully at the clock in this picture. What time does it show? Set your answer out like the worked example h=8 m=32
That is h=6 m=41
